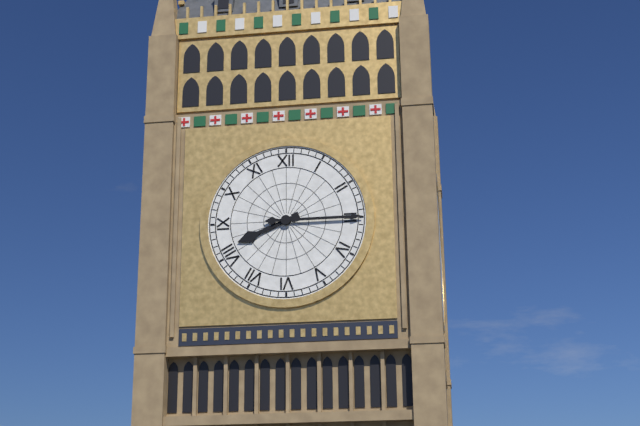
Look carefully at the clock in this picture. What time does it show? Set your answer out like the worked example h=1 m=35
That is h=8 m=15
